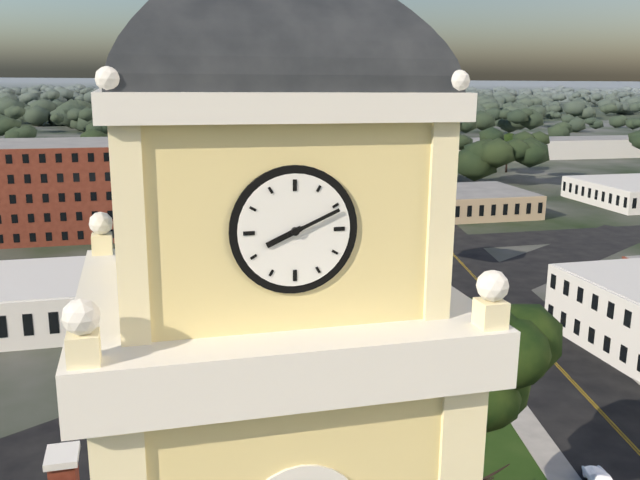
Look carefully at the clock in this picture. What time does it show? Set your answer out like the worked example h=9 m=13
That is h=8 m=11
